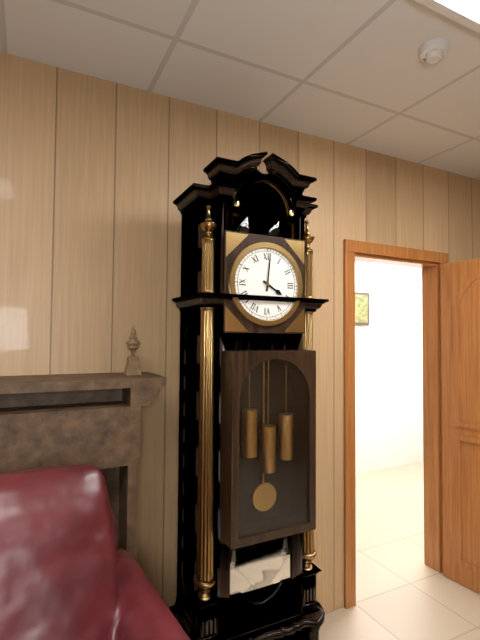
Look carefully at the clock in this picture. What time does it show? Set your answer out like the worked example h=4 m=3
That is h=4 m=1
